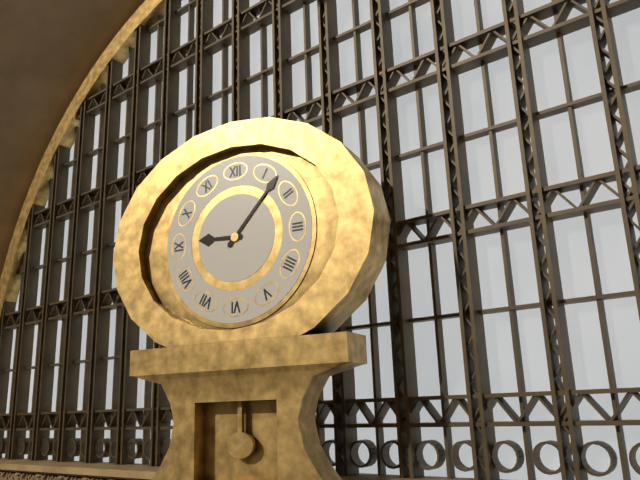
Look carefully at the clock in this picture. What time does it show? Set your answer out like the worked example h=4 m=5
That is h=9 m=7
